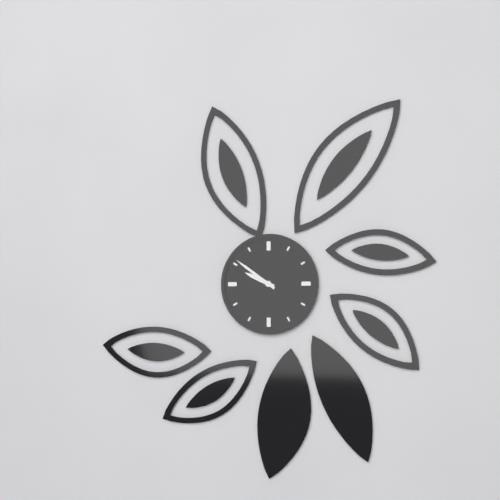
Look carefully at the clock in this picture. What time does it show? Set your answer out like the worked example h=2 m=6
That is h=9 m=51
